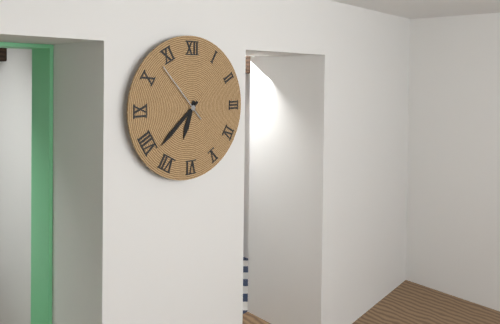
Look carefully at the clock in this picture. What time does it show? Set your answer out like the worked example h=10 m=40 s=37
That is h=6 m=38 s=53
